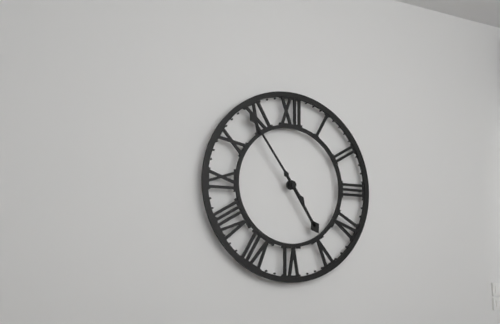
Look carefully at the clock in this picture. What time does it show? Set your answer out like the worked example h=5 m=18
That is h=4 m=54
